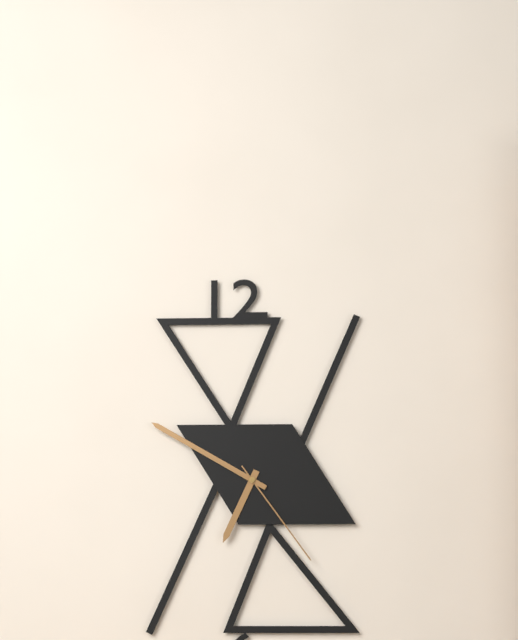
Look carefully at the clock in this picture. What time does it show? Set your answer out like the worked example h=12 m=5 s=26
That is h=6 m=50 s=24
